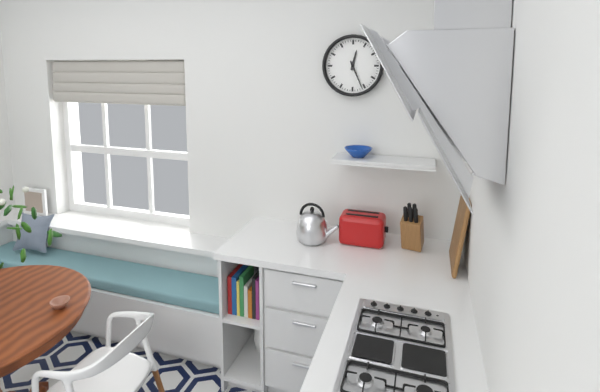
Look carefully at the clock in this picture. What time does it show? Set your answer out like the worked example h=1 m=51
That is h=12 m=26
